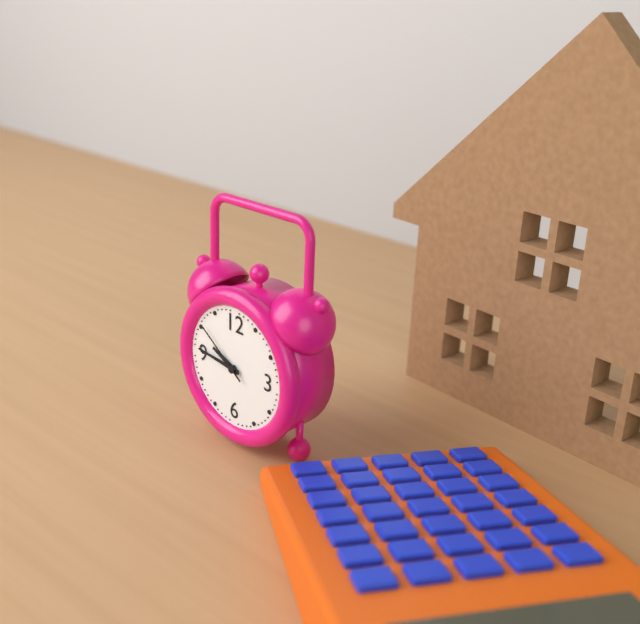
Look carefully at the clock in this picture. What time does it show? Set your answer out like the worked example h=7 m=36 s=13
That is h=9 m=46 s=51
